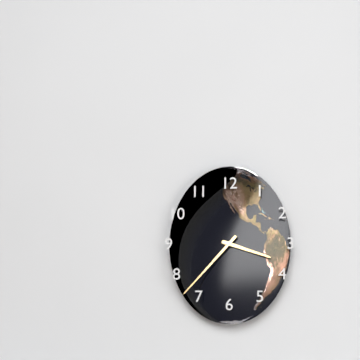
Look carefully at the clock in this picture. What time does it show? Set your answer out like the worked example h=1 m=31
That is h=3 m=37
